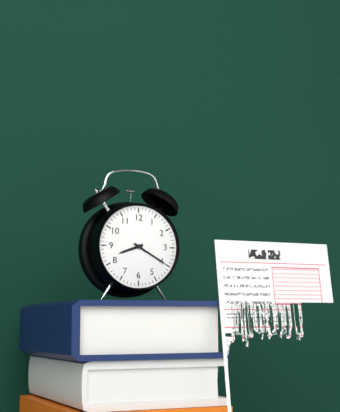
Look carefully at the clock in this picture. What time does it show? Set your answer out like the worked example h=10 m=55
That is h=8 m=20
